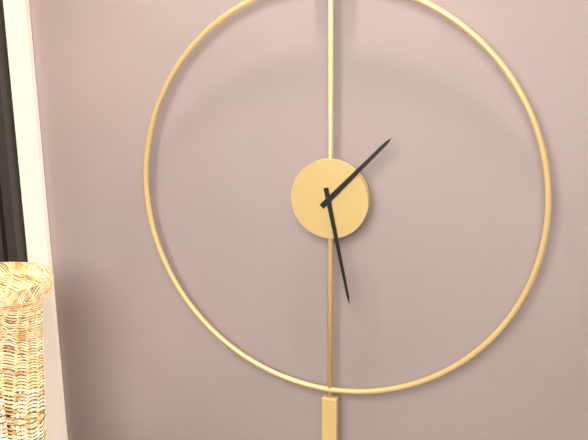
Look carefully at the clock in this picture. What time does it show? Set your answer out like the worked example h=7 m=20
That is h=1 m=28
